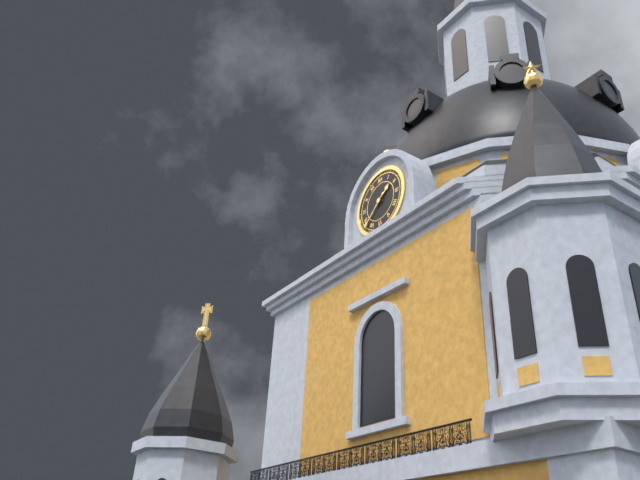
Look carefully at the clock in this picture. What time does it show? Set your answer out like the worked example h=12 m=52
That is h=1 m=38
